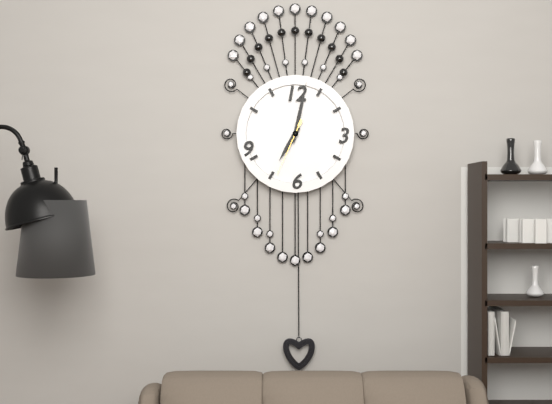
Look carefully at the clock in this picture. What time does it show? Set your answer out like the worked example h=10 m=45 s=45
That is h=7 m=2 s=34
